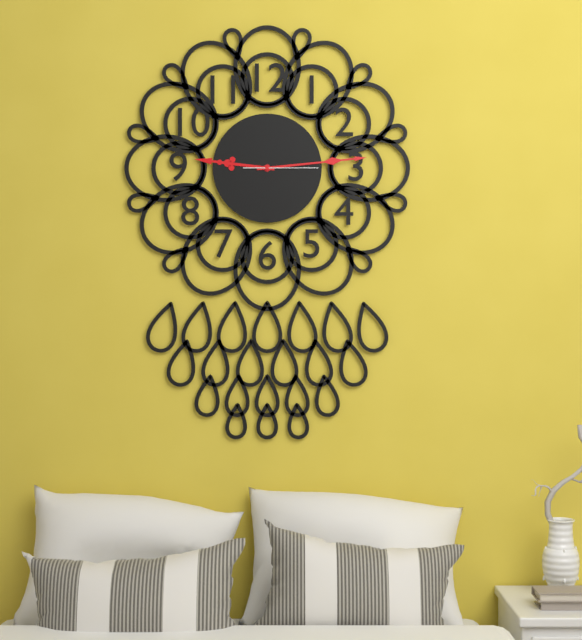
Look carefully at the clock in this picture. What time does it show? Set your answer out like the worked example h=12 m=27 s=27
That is h=9 m=14 s=15
